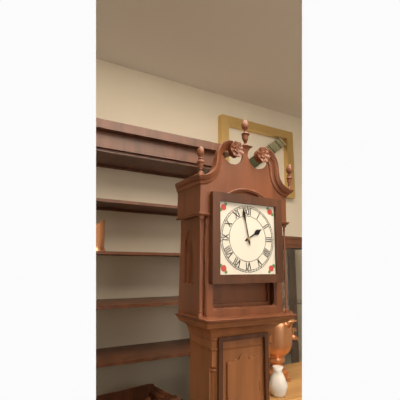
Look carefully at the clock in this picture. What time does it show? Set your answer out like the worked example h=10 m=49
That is h=1 m=58
